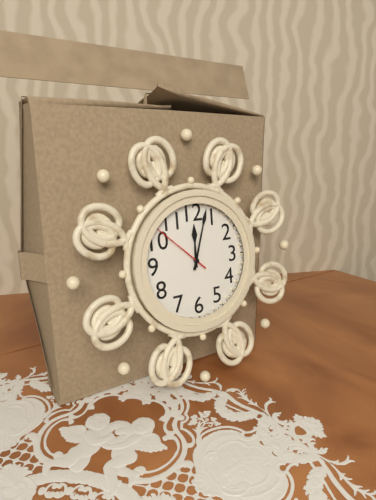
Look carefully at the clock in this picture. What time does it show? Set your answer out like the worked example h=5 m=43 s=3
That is h=12 m=3 s=52
